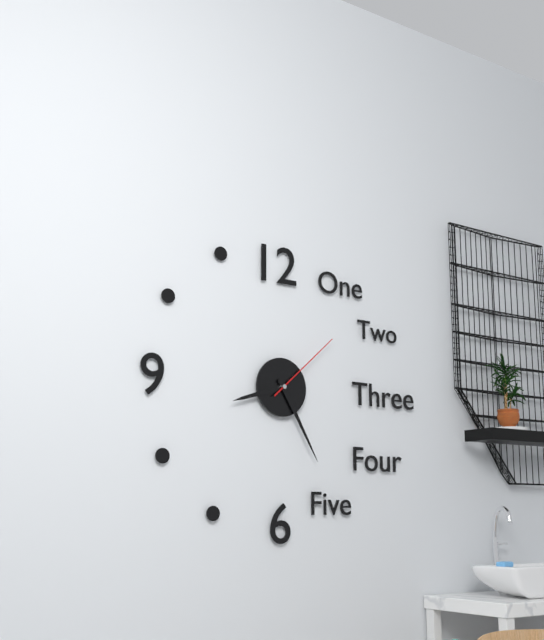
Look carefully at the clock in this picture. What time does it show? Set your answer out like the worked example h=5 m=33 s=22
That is h=8 m=25 s=8
